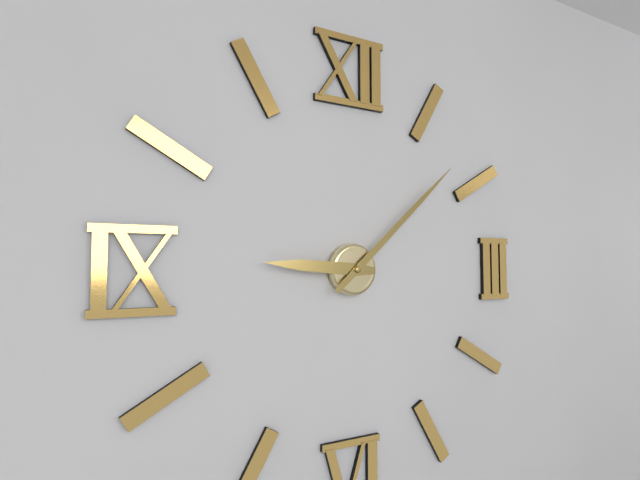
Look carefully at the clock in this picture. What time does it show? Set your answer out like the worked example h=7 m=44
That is h=9 m=8
